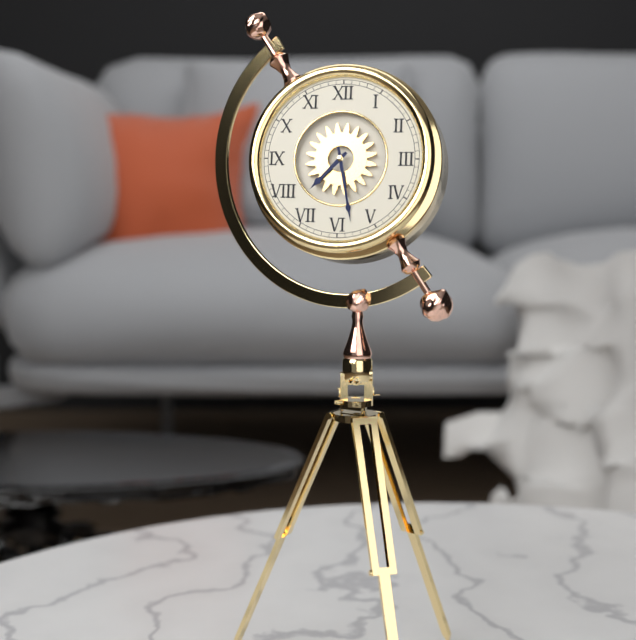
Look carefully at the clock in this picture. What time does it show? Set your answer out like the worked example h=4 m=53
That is h=7 m=28
